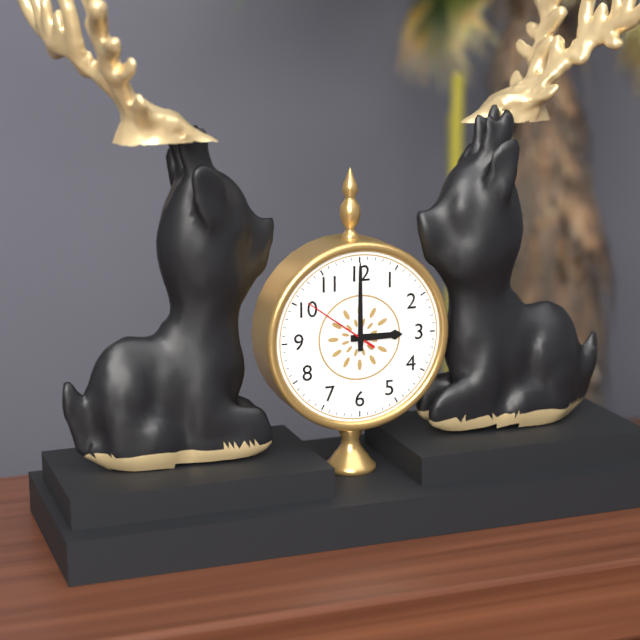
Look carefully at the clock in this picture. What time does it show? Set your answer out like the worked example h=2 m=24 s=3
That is h=3 m=0 s=51
